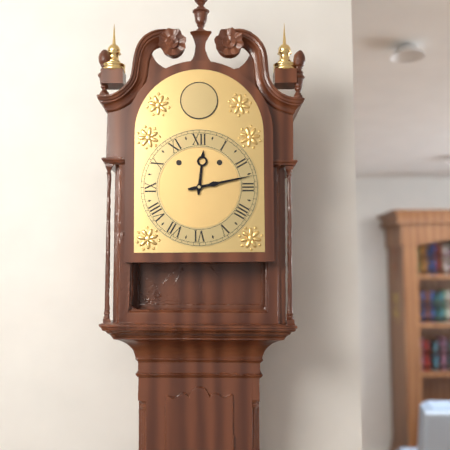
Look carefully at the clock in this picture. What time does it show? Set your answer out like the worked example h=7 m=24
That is h=12 m=13
